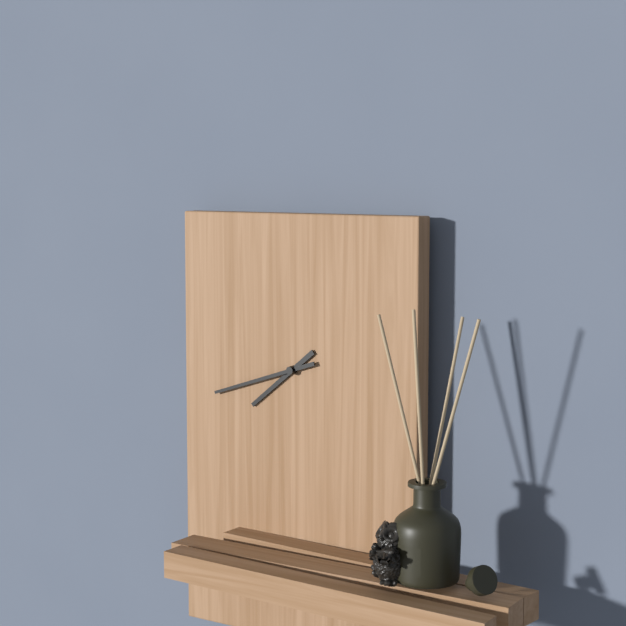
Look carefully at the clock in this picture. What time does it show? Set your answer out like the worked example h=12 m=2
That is h=7 m=42
